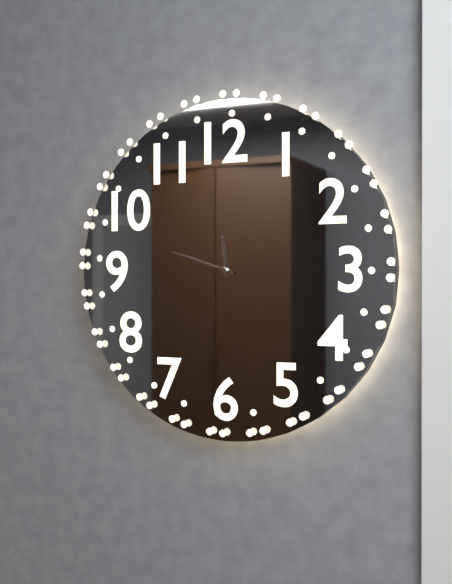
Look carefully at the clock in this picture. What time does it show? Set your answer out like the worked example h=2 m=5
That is h=11 m=48
